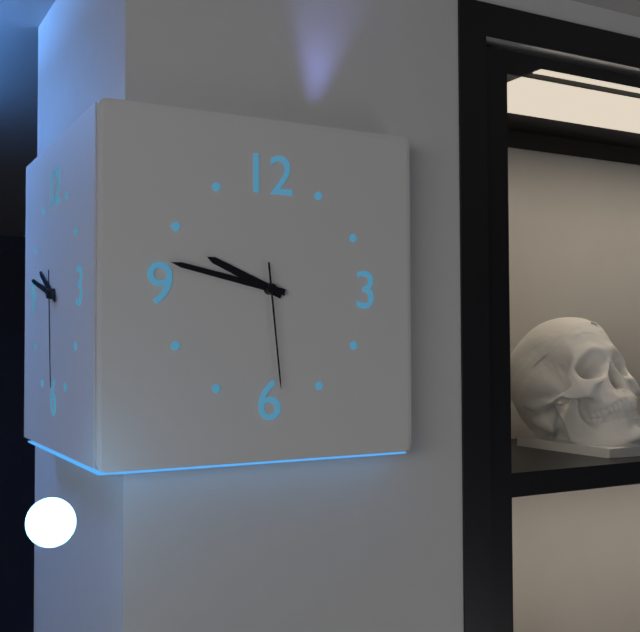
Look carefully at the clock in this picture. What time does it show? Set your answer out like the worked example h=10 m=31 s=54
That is h=9 m=47 s=29
